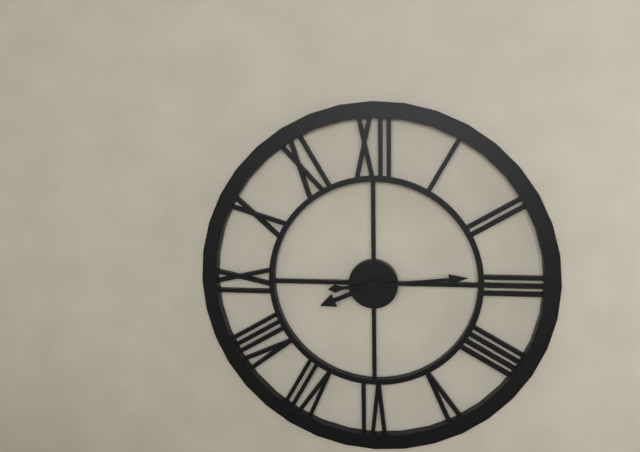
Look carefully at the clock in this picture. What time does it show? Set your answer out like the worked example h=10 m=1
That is h=8 m=14
